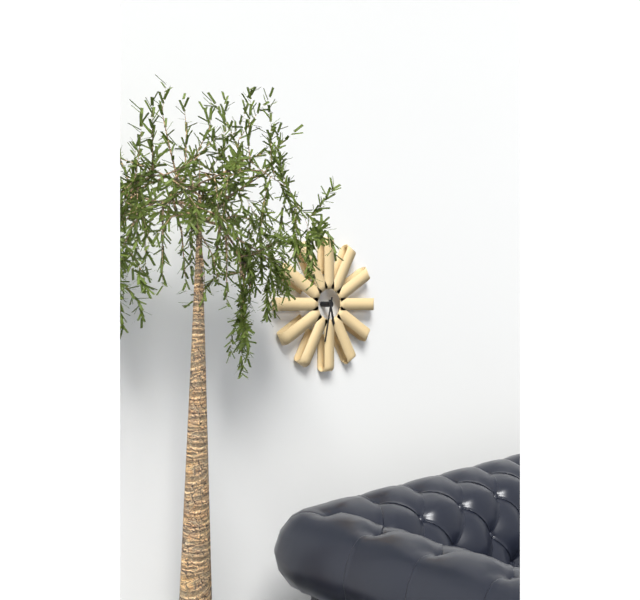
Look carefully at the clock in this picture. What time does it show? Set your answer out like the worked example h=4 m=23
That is h=5 m=32
